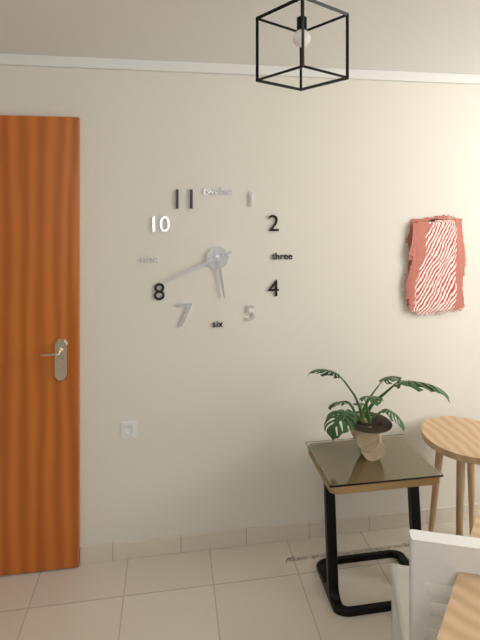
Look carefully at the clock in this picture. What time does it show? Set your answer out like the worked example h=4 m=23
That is h=5 m=41
